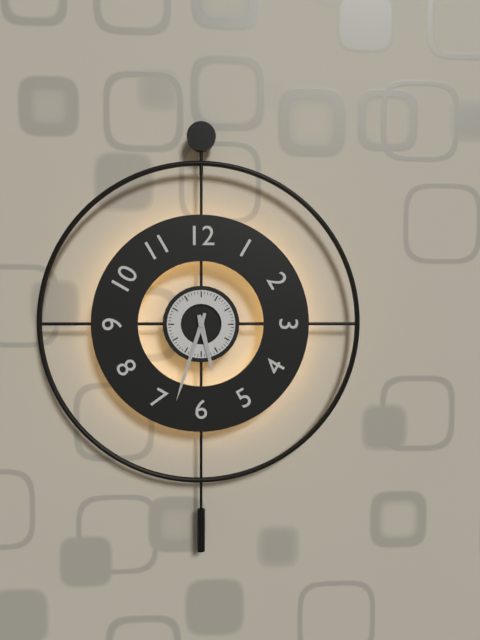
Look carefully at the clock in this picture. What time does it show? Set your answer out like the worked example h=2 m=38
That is h=5 m=33
